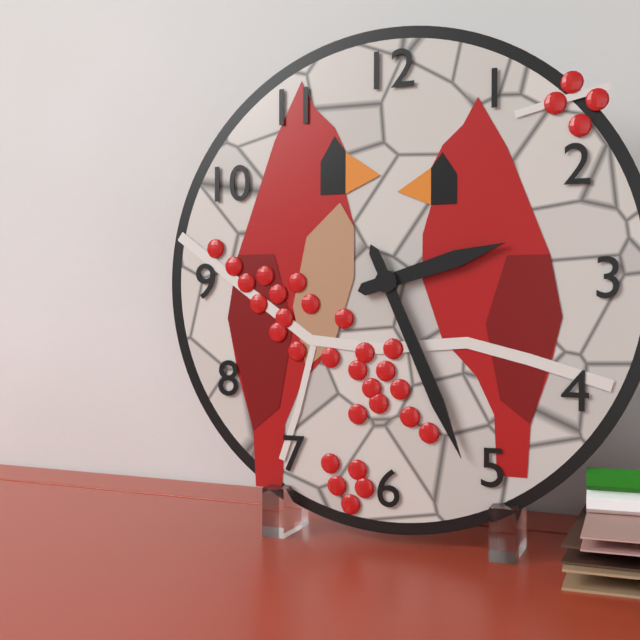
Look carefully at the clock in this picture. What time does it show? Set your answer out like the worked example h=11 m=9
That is h=2 m=26
